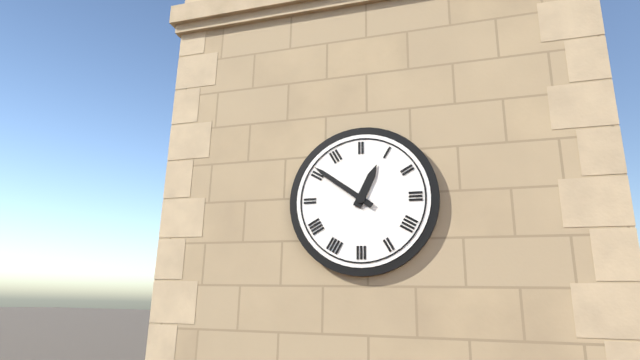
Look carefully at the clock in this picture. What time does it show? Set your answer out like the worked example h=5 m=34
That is h=12 m=51
